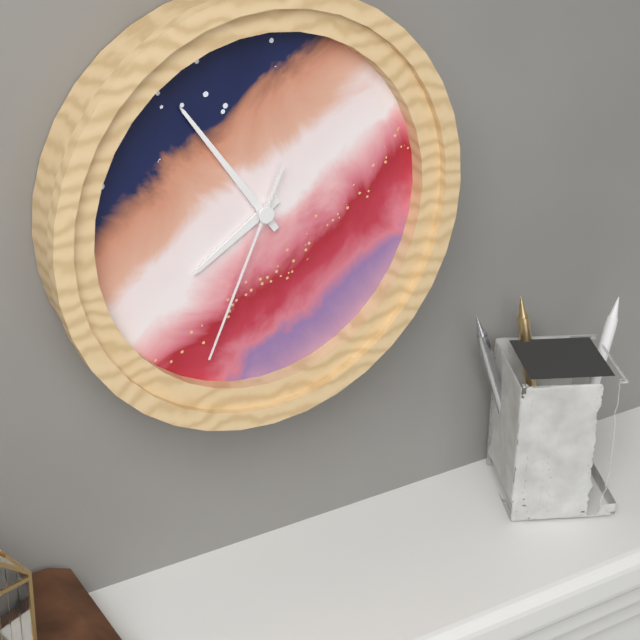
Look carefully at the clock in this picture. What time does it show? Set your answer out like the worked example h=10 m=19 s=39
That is h=7 m=54 s=34
